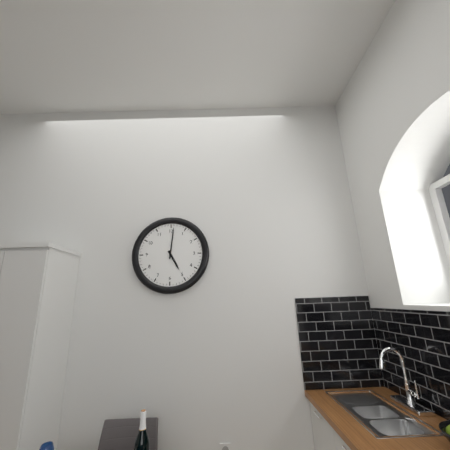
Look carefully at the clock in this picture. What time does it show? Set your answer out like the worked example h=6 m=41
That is h=5 m=1
